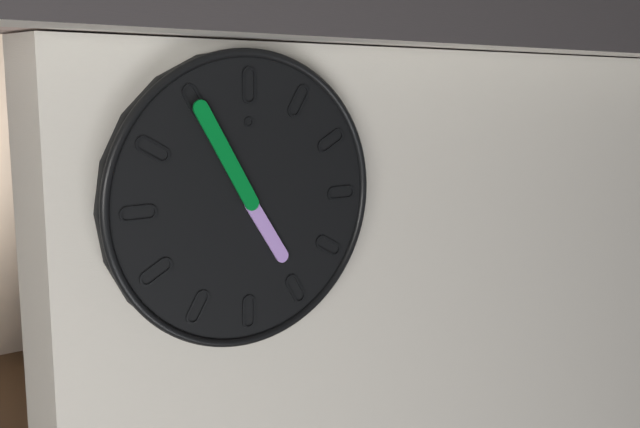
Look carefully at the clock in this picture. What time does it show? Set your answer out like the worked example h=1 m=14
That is h=4 m=55
